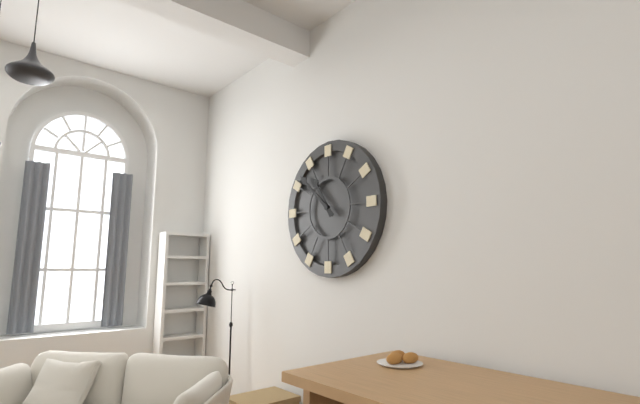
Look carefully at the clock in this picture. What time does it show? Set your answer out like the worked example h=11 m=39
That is h=10 m=52
